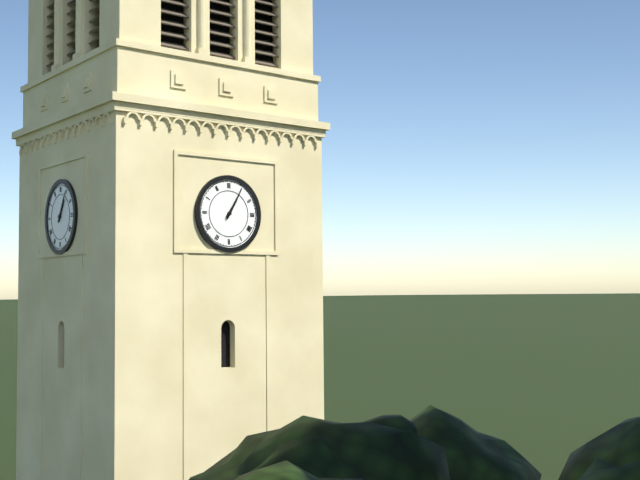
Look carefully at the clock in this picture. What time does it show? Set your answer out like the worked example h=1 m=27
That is h=1 m=5
